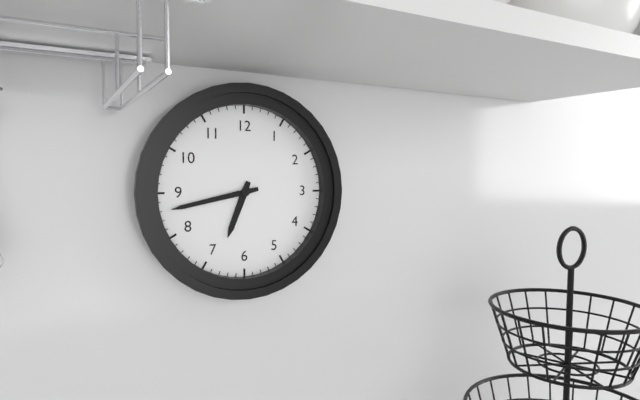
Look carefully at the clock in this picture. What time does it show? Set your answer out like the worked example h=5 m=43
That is h=6 m=43
